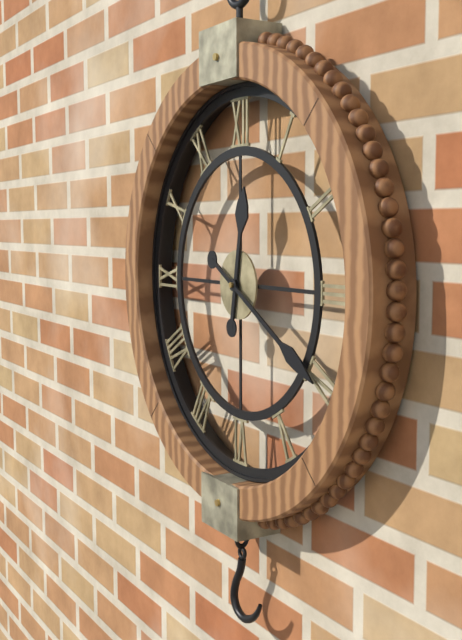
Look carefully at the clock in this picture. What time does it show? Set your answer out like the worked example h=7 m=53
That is h=12 m=20
